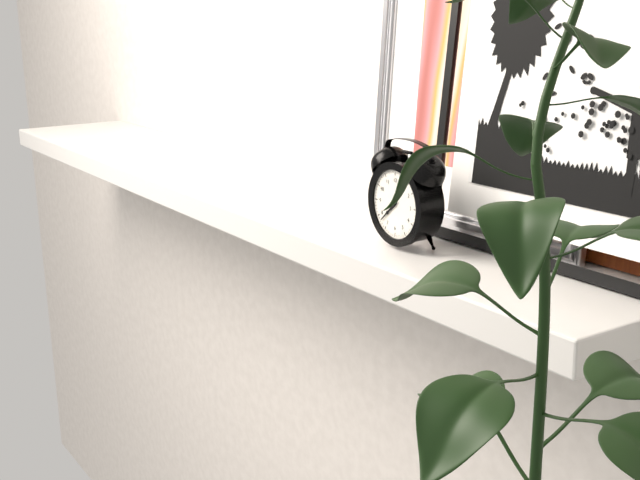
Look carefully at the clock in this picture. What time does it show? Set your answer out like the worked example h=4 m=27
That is h=7 m=38
